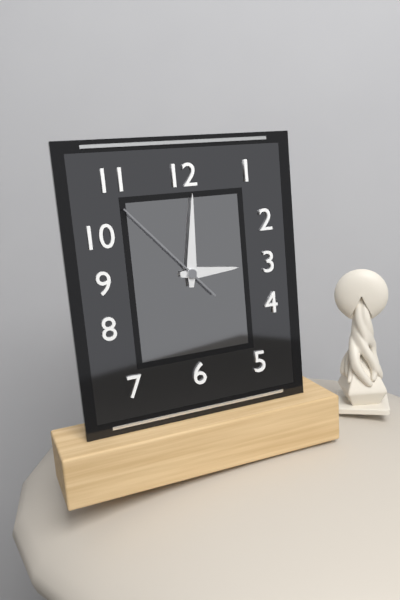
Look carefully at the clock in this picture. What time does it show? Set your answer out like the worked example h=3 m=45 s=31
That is h=3 m=1 s=53
